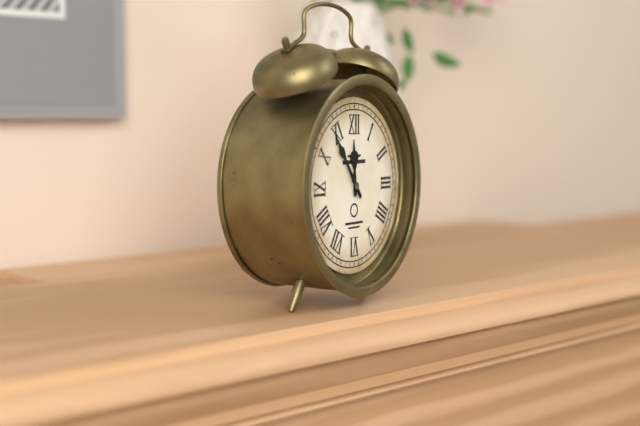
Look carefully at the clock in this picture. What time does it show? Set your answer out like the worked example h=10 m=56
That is h=11 m=54
